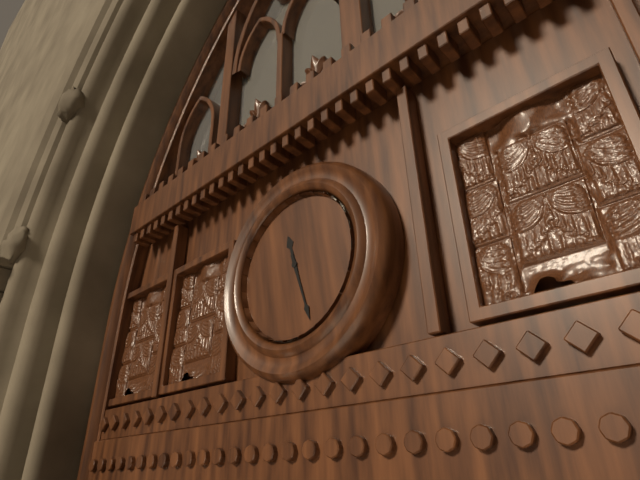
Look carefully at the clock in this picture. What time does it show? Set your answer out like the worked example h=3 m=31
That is h=11 m=27
